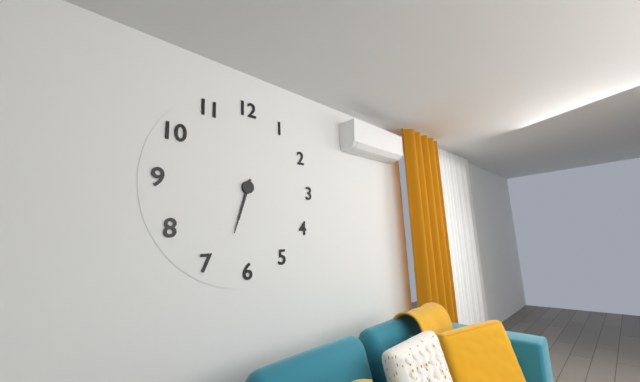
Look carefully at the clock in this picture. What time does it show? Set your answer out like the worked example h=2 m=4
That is h=6 m=33
